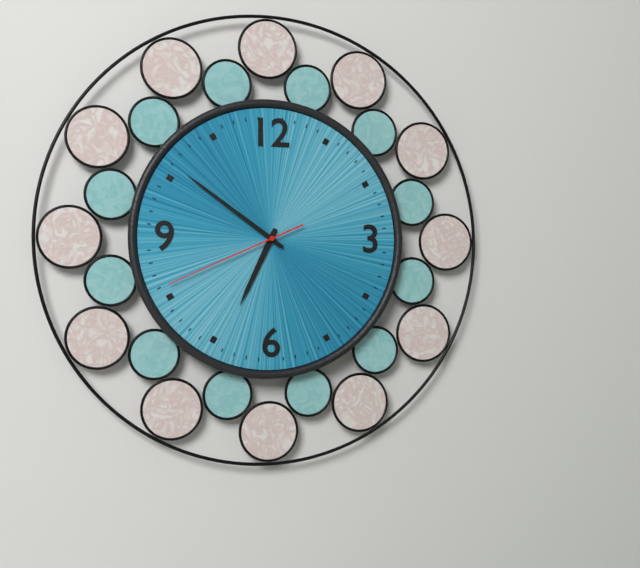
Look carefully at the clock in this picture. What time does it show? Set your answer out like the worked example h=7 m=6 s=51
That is h=6 m=51 s=41
